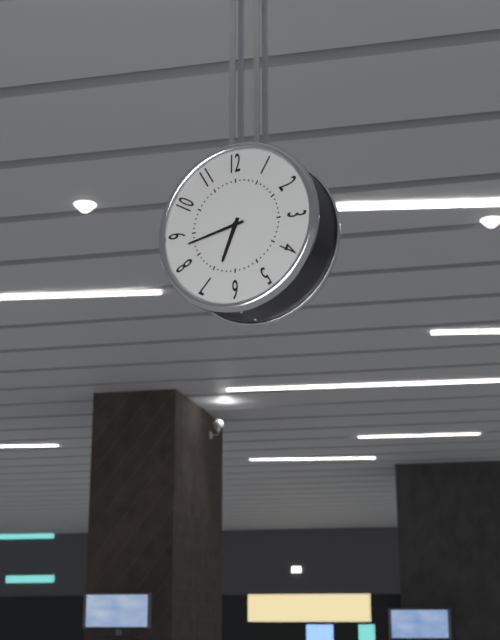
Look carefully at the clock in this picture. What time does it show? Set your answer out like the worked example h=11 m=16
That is h=6 m=43
